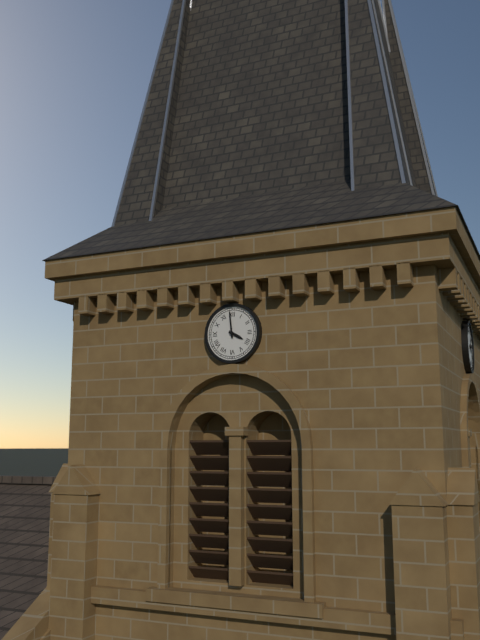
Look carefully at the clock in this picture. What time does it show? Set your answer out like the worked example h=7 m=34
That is h=3 m=59
